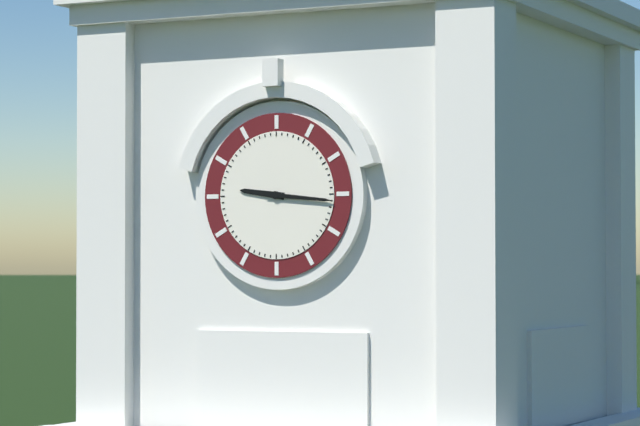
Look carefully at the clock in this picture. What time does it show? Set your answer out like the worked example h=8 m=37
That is h=9 m=16
